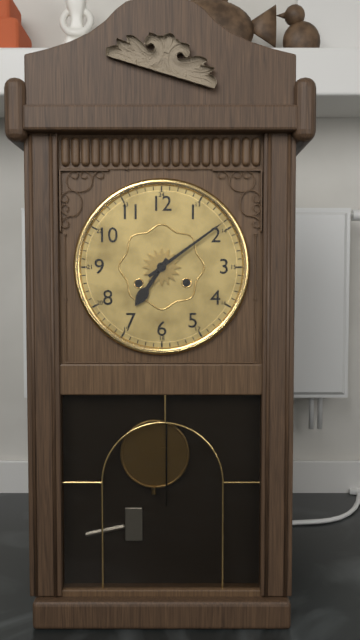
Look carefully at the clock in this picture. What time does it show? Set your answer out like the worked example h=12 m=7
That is h=7 m=9
